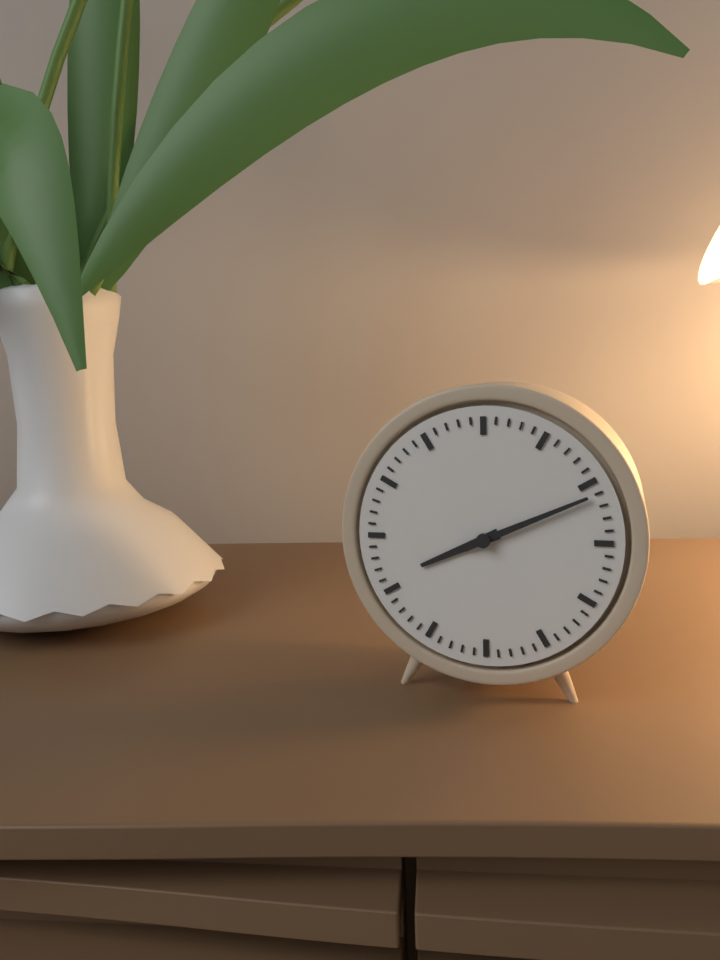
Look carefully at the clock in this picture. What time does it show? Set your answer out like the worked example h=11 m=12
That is h=8 m=11
